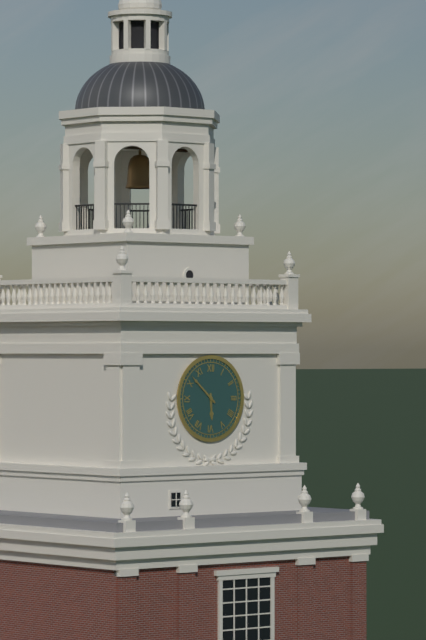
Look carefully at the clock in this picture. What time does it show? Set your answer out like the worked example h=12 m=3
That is h=5 m=52
